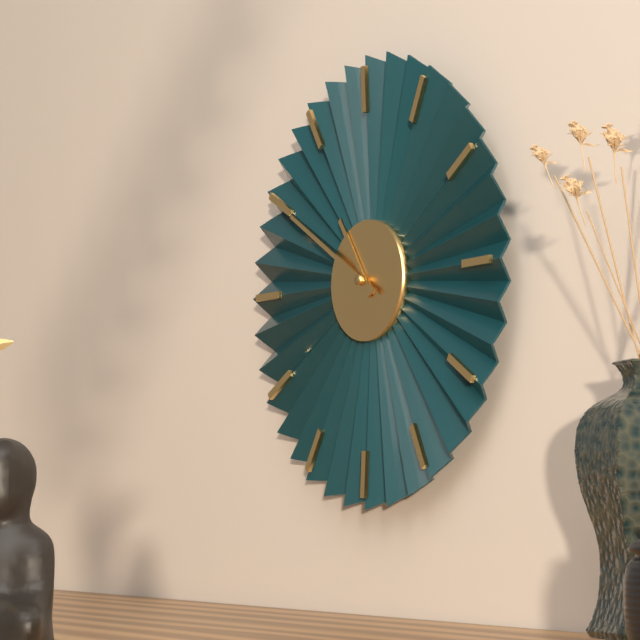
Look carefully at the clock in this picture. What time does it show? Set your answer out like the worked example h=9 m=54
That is h=10 m=50
